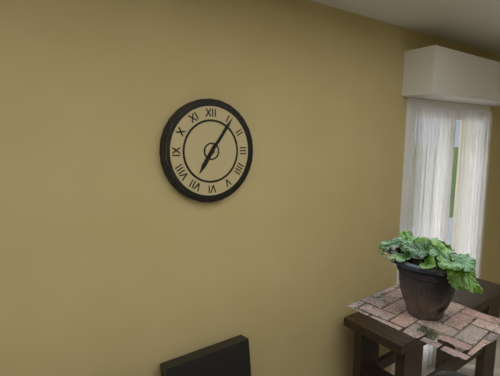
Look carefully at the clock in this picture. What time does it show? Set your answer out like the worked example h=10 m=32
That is h=7 m=6
